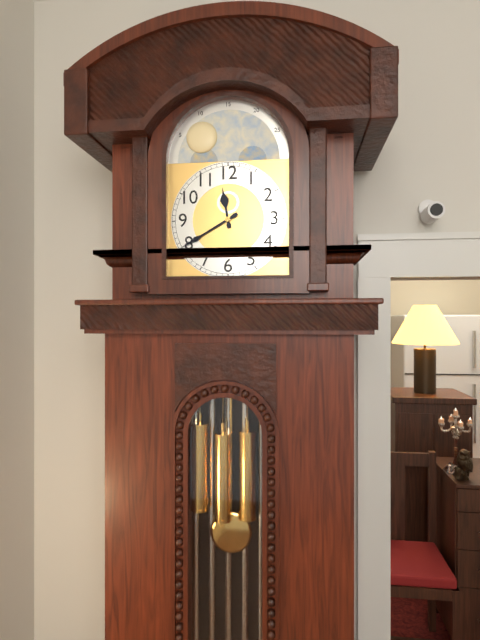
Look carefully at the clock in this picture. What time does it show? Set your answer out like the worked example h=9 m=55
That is h=11 m=40
